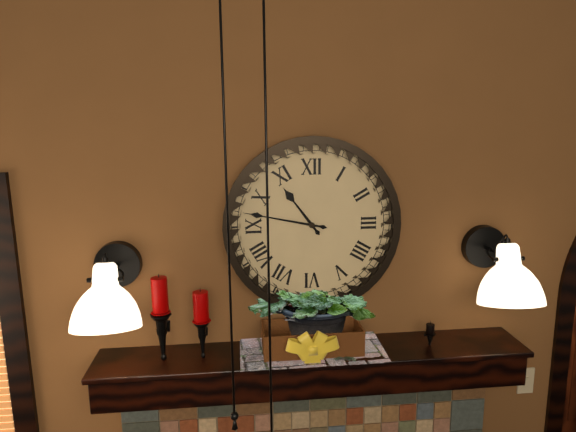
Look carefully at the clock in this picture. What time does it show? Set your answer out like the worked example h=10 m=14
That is h=10 m=47
